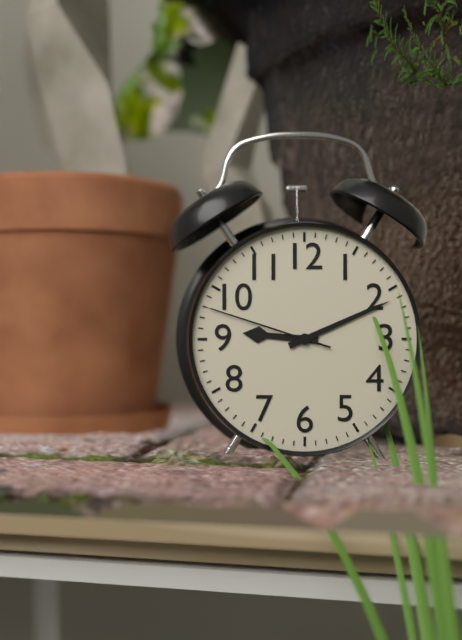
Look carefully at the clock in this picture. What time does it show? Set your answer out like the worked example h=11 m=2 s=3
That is h=9 m=11 s=48
